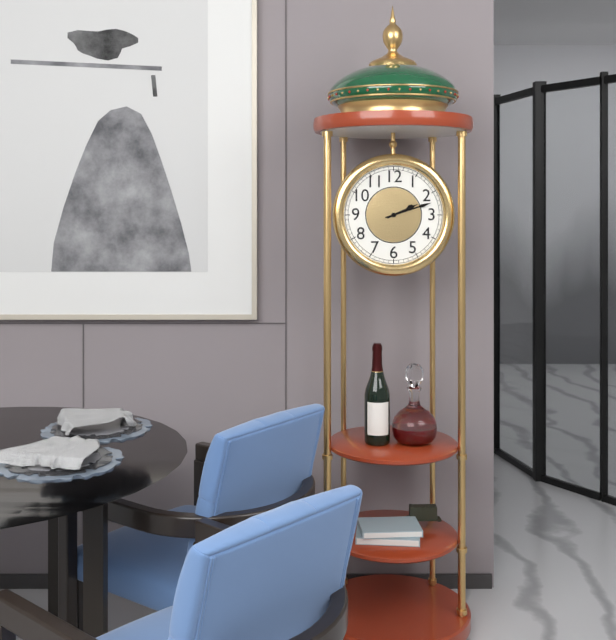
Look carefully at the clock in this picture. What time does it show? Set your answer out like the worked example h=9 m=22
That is h=2 m=12
